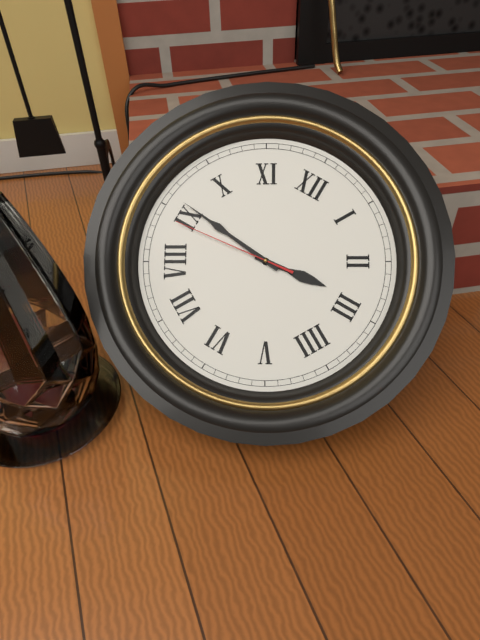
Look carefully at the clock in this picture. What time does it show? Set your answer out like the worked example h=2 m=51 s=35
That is h=2 m=46 s=44
